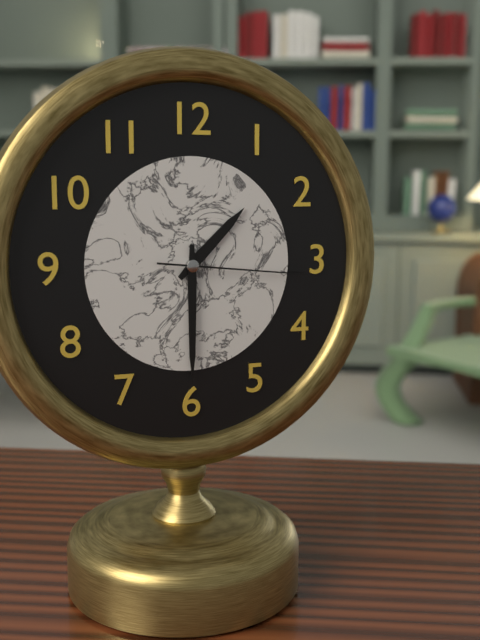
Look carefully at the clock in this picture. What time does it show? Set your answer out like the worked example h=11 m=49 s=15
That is h=1 m=30 s=16
